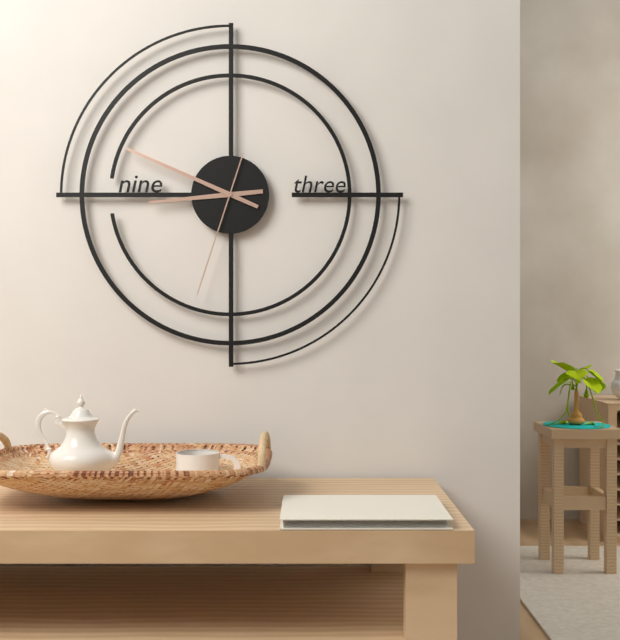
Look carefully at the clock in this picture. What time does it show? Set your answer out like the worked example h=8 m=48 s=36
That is h=8 m=49 s=33
